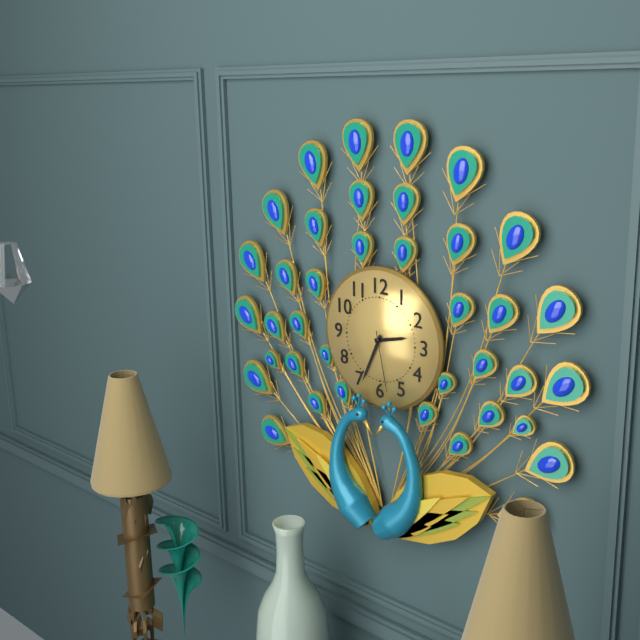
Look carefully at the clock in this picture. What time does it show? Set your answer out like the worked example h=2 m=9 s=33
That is h=2 m=34 s=28
